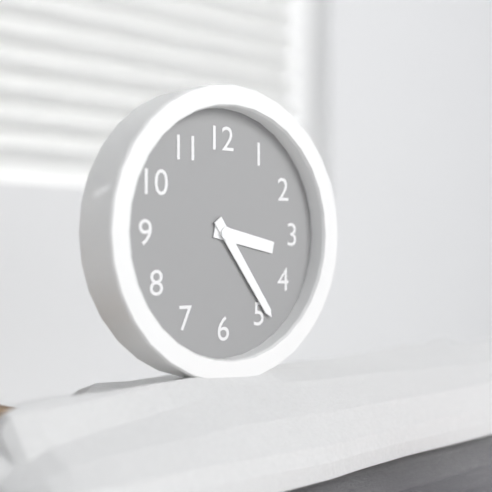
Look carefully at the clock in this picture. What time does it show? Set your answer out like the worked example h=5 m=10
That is h=3 m=24
